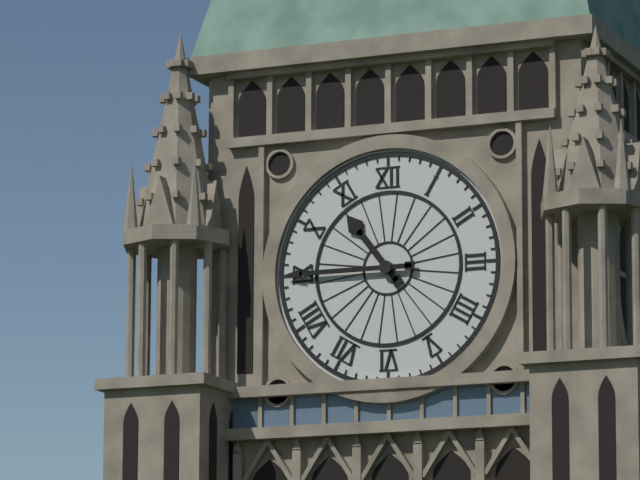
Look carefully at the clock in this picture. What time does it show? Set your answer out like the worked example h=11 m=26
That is h=10 m=45
